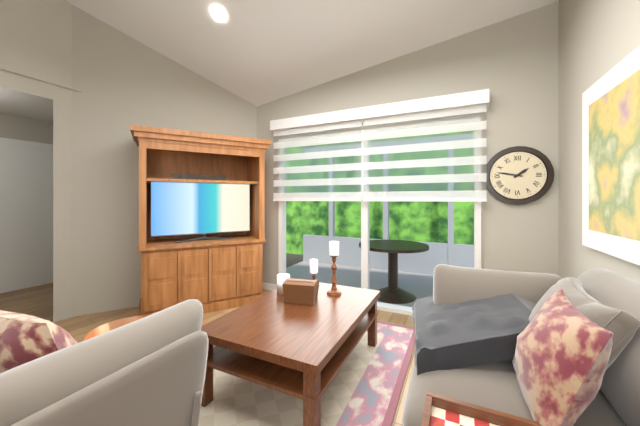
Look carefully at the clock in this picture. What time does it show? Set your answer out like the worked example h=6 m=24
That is h=1 m=47
